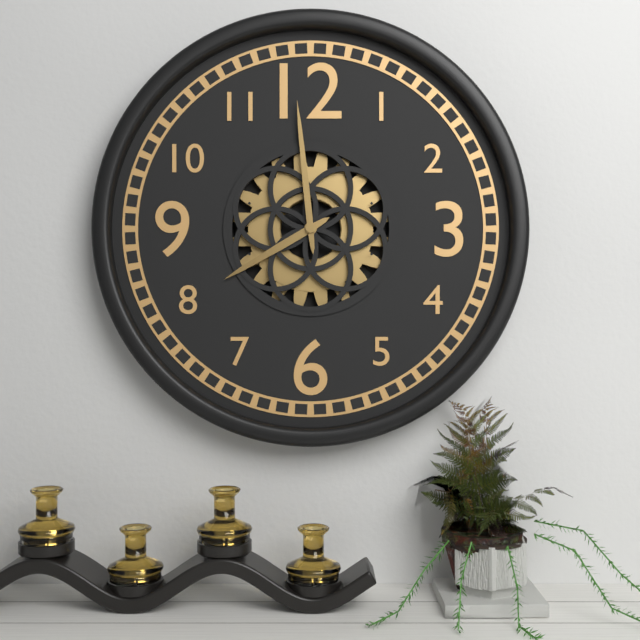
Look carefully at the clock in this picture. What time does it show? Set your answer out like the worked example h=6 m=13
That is h=7 m=59
